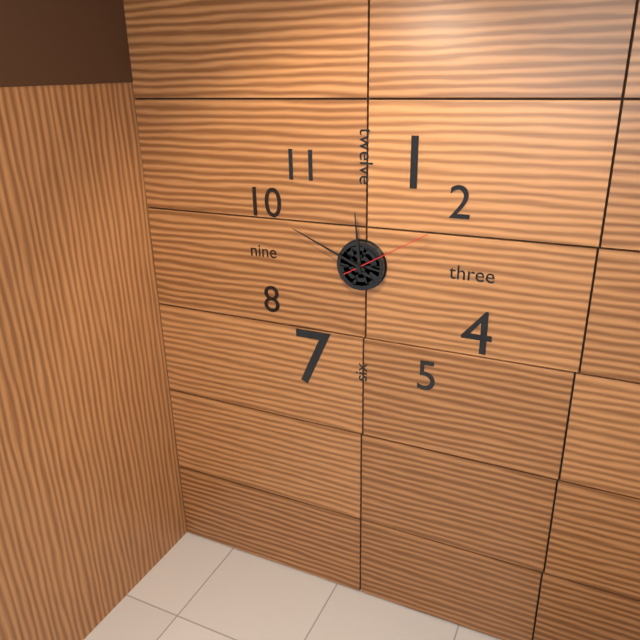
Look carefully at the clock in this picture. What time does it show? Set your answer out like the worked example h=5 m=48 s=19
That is h=11 m=49 s=10
